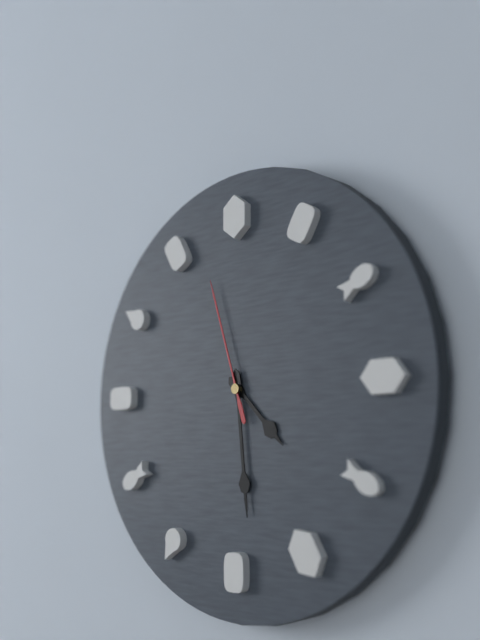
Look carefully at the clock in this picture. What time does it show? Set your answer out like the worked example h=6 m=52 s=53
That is h=4 m=29 s=57
